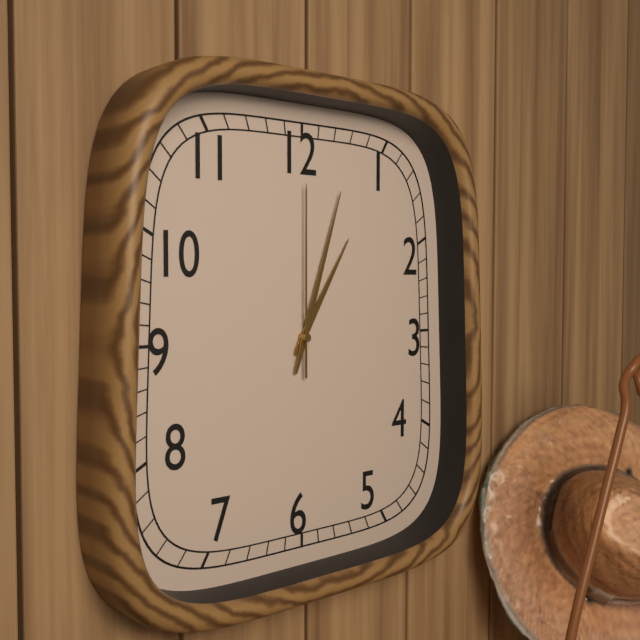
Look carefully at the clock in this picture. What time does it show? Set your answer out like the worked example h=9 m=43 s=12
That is h=1 m=3 s=0
